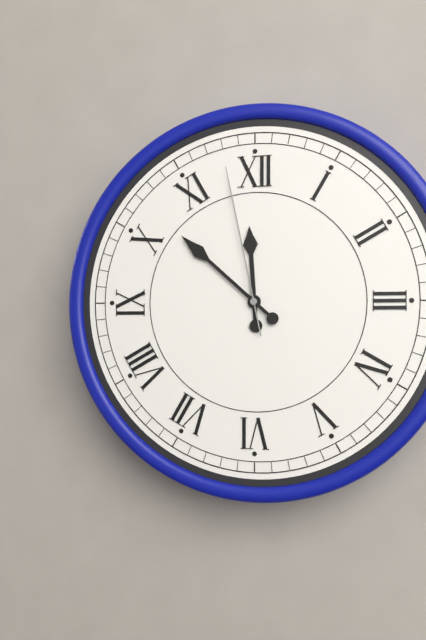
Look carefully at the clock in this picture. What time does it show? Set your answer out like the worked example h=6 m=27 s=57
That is h=11 m=52 s=58
